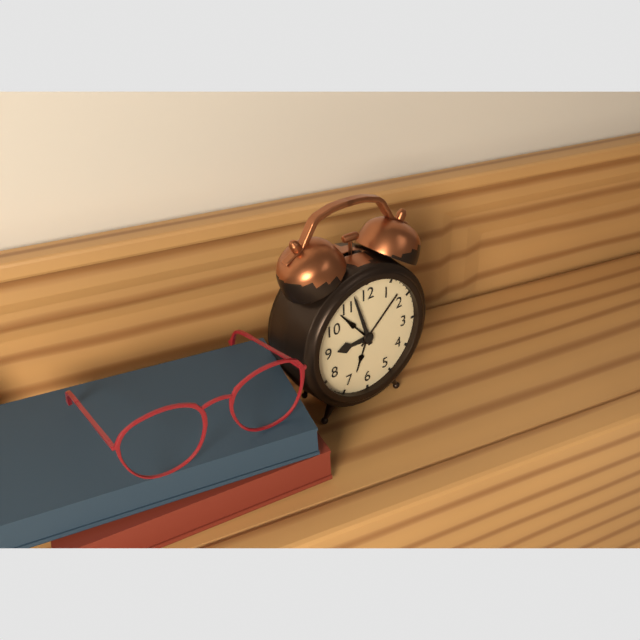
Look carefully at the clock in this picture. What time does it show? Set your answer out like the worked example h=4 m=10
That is h=8 m=57
